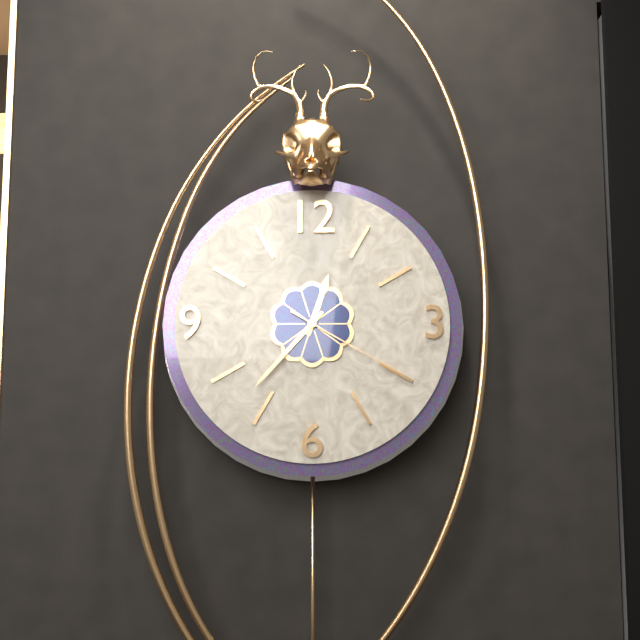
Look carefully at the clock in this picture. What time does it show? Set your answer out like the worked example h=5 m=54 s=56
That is h=12 m=37 s=20
